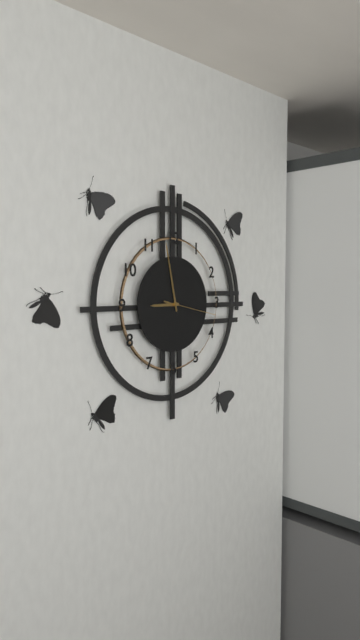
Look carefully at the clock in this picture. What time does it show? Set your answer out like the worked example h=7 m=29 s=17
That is h=8 m=58 s=17
